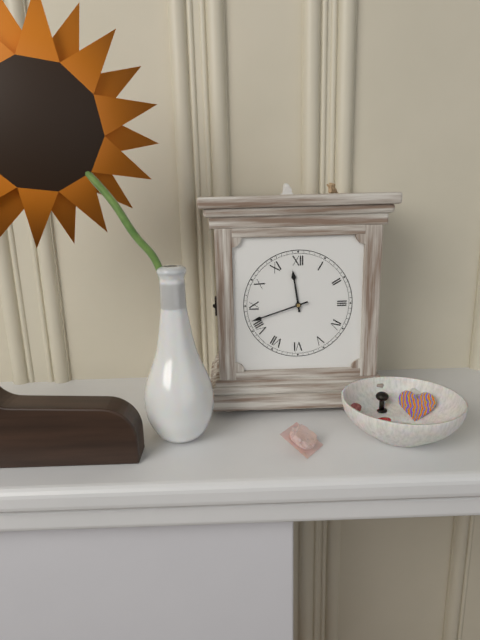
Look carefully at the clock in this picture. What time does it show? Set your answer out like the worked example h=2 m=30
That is h=11 m=42
